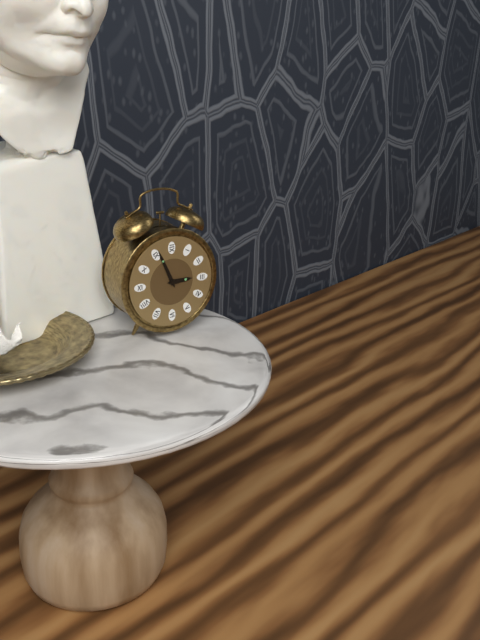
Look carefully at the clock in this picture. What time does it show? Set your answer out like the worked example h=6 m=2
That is h=2 m=56
